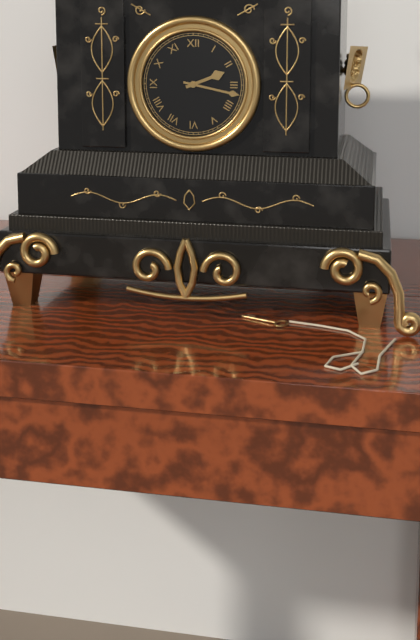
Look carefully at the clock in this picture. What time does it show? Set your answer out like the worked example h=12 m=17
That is h=2 m=17
